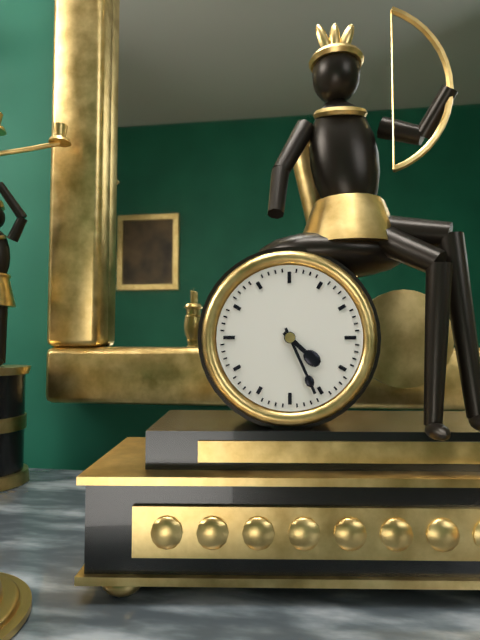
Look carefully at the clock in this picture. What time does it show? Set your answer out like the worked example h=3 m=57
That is h=4 m=26
